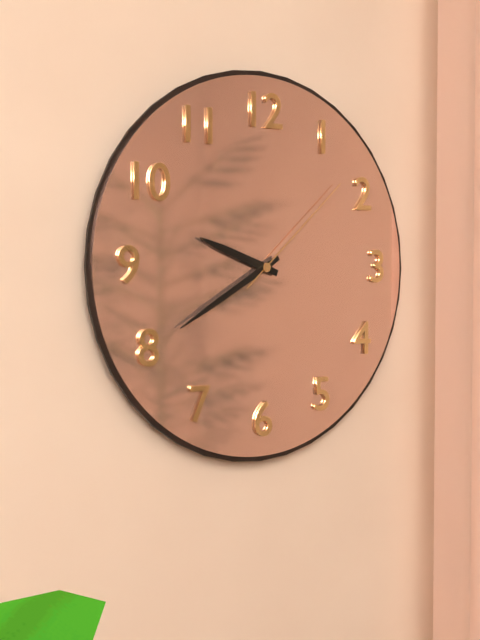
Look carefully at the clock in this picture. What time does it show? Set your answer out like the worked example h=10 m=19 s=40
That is h=9 m=40 s=8
